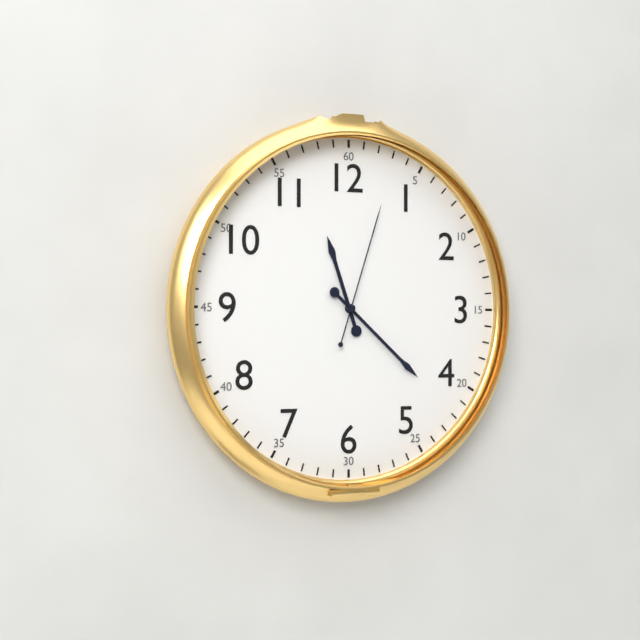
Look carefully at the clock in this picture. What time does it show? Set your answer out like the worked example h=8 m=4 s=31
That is h=11 m=22 s=3
